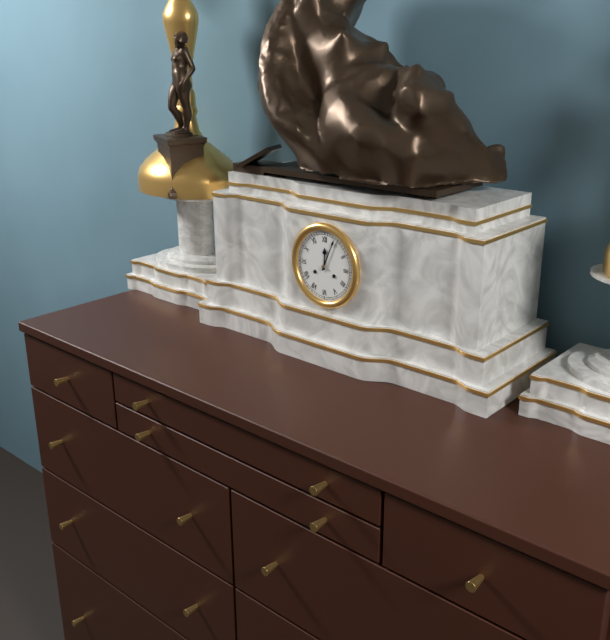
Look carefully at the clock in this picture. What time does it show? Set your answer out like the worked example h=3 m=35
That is h=12 m=4
